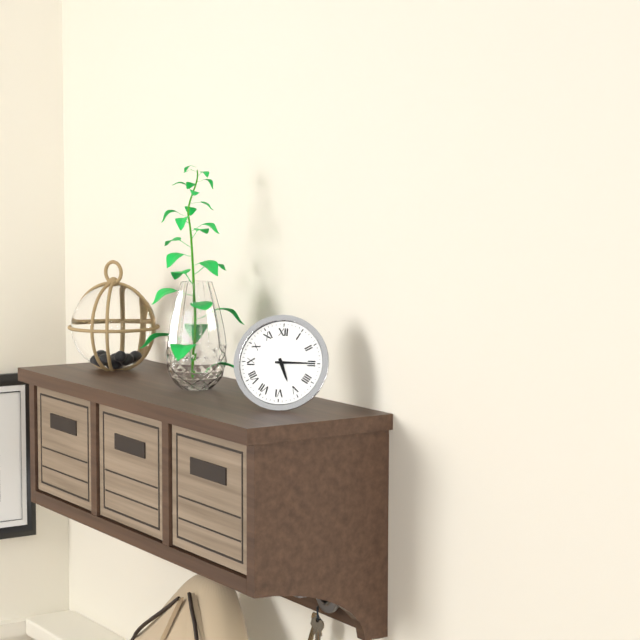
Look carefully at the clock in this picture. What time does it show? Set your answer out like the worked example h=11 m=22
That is h=5 m=15
